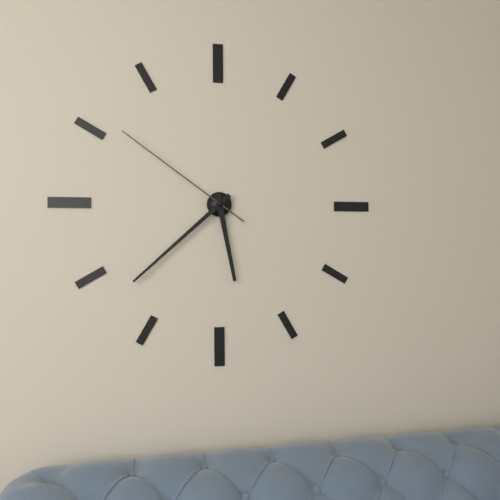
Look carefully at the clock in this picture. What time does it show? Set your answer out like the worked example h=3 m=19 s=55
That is h=5 m=38 s=51
